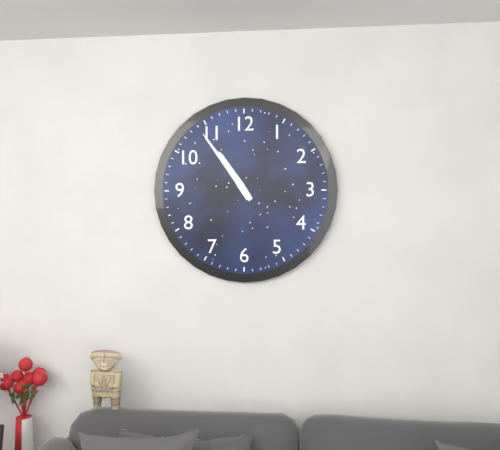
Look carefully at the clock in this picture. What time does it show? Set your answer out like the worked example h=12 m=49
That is h=10 m=54
